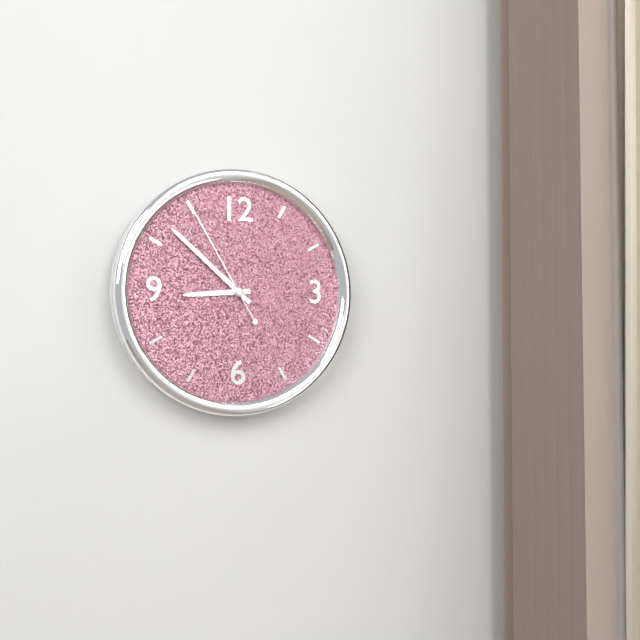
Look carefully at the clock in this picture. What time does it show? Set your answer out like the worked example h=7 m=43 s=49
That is h=8 m=52 s=55
